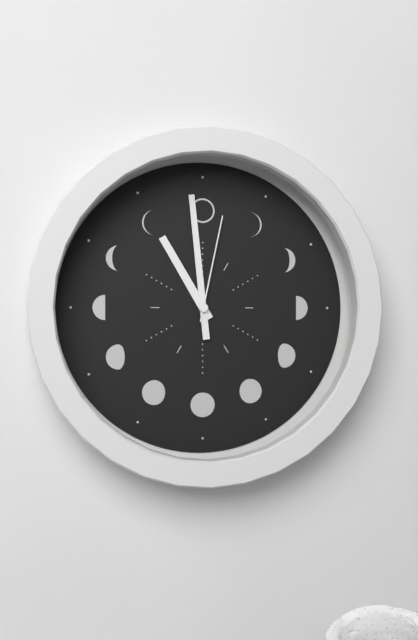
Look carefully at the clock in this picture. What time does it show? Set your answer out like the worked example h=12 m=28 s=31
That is h=10 m=59 s=2
